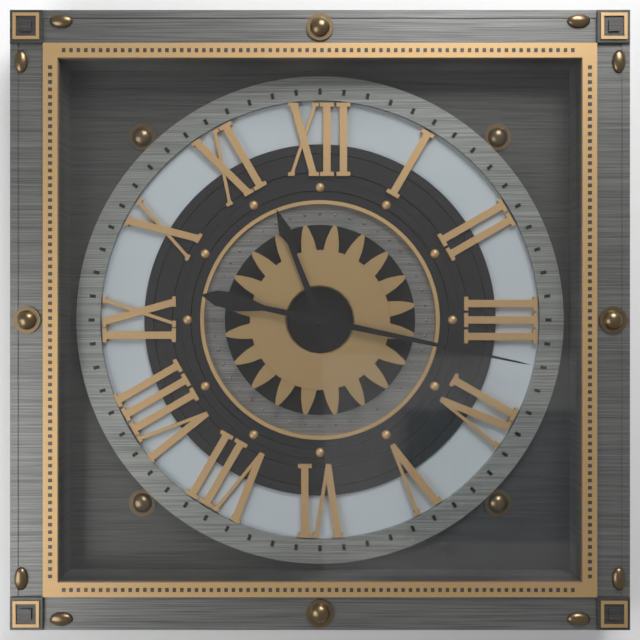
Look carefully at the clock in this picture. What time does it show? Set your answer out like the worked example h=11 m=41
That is h=11 m=17
